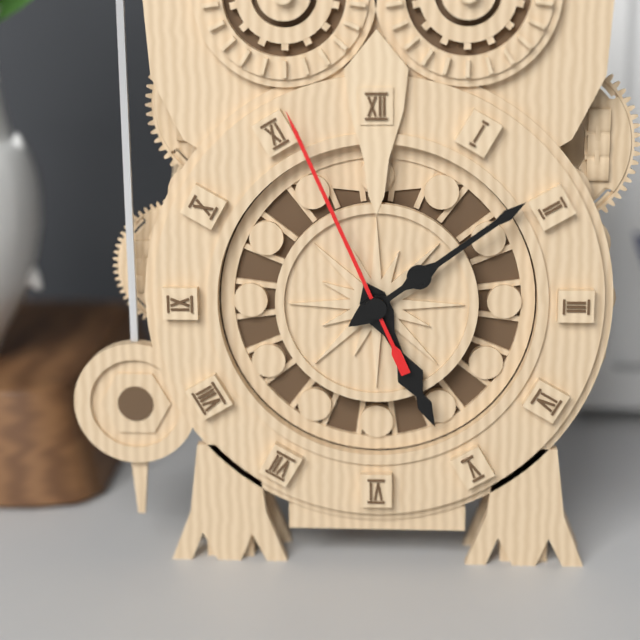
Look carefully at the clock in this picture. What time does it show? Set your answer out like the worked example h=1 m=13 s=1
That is h=5 m=9 s=56
